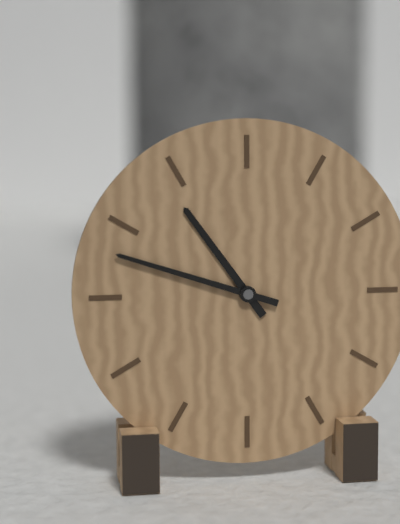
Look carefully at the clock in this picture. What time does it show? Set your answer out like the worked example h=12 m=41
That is h=10 m=48
